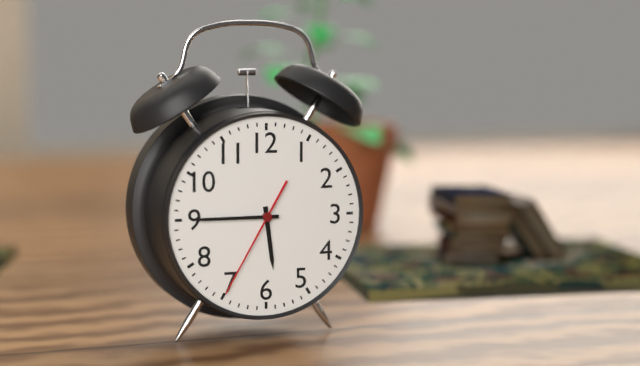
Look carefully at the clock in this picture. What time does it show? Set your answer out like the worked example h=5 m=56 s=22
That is h=5 m=45 s=35
